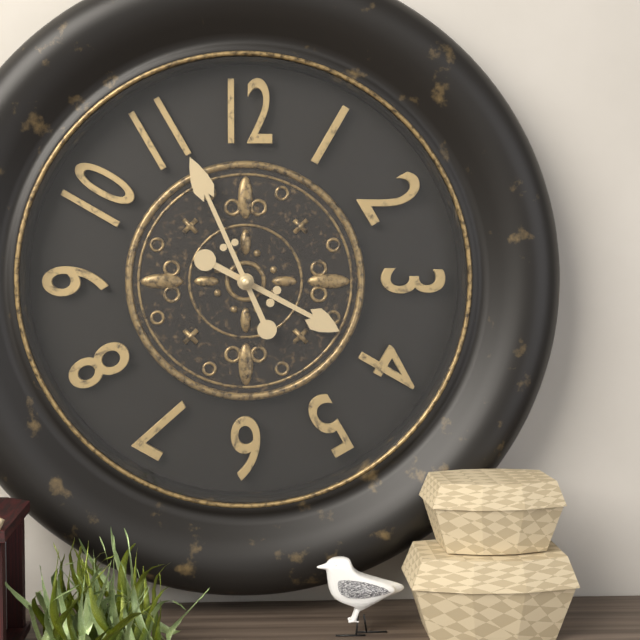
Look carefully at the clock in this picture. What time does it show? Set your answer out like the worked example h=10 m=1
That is h=3 m=56
